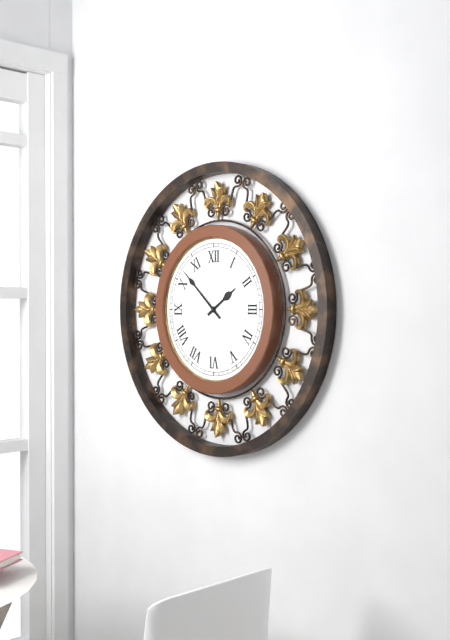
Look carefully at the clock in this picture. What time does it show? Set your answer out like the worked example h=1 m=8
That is h=1 m=52
